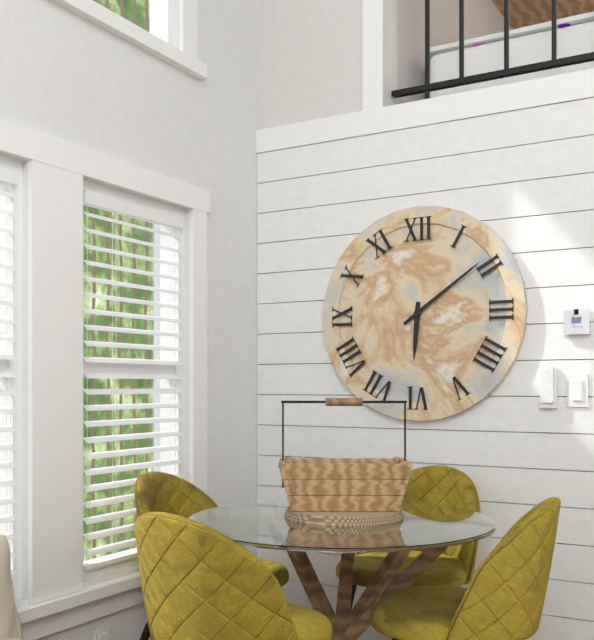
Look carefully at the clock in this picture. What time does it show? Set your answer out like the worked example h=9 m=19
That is h=6 m=9
